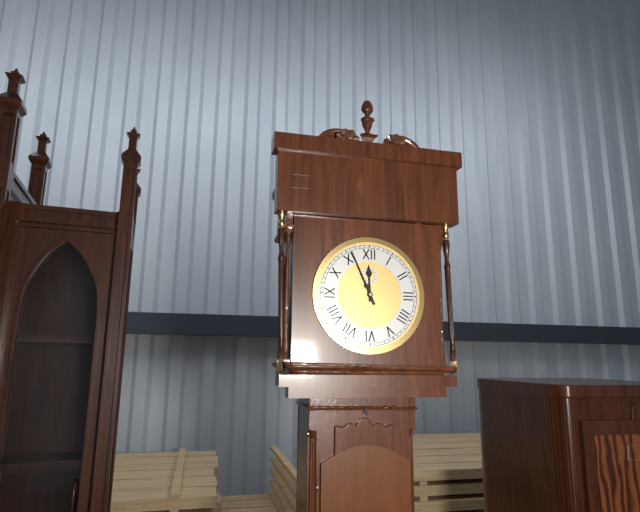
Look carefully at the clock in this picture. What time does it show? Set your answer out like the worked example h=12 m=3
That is h=11 m=56
